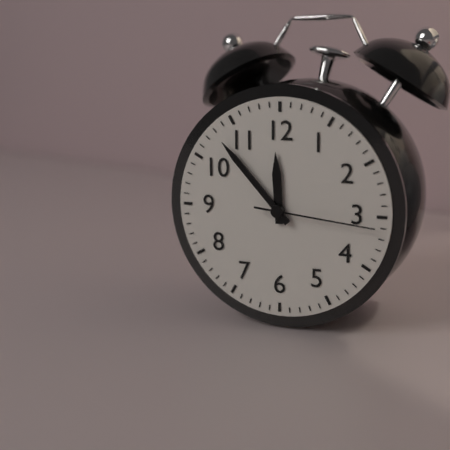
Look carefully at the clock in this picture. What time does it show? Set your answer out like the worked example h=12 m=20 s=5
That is h=11 m=53 s=16
